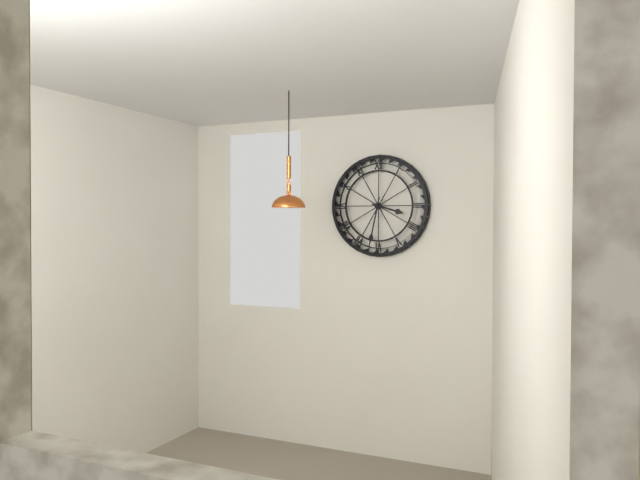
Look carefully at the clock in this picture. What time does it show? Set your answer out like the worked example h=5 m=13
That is h=3 m=32
